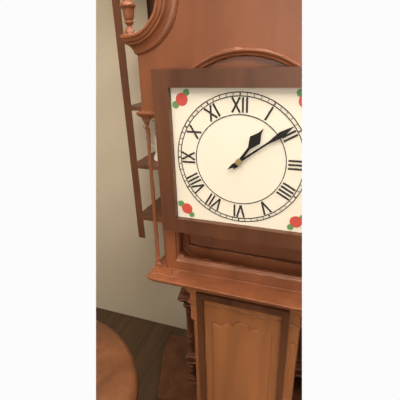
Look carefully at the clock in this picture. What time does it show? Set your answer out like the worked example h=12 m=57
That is h=1 m=9
